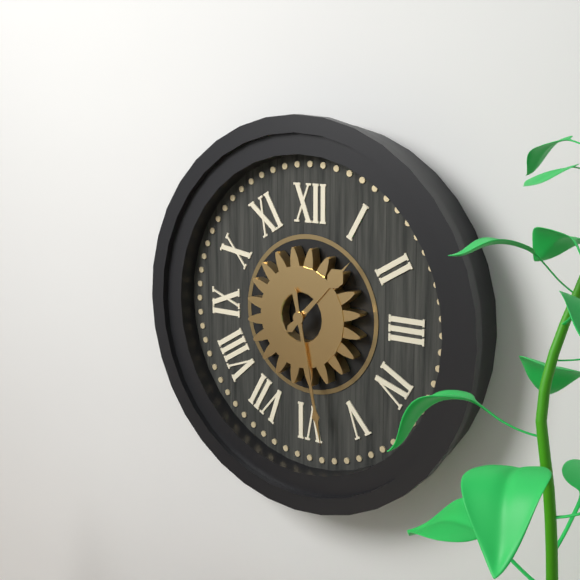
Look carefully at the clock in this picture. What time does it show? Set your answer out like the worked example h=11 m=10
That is h=1 m=28
